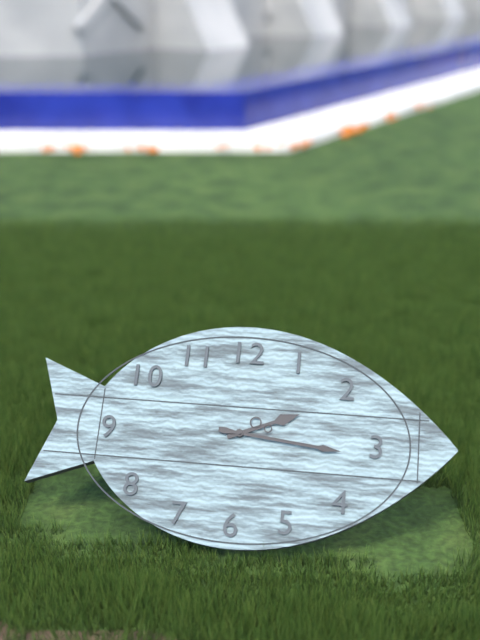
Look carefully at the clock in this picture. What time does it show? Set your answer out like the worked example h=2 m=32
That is h=2 m=16
